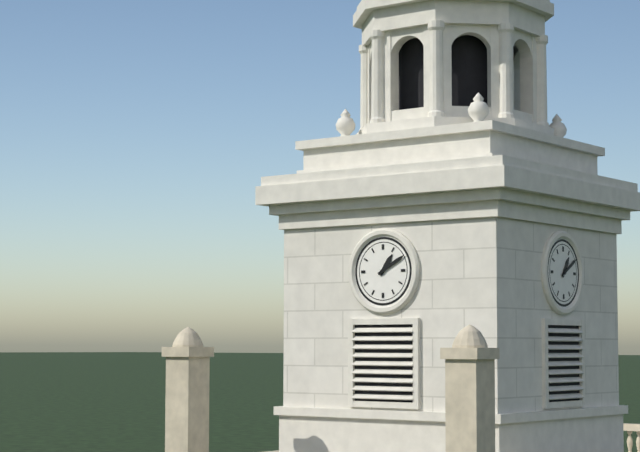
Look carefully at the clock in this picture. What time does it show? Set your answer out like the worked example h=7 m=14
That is h=1 m=10
